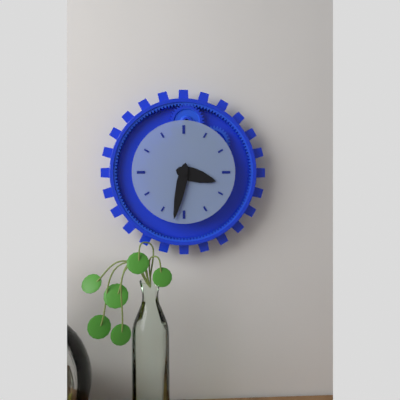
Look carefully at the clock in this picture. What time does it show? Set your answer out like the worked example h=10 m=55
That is h=3 m=32
